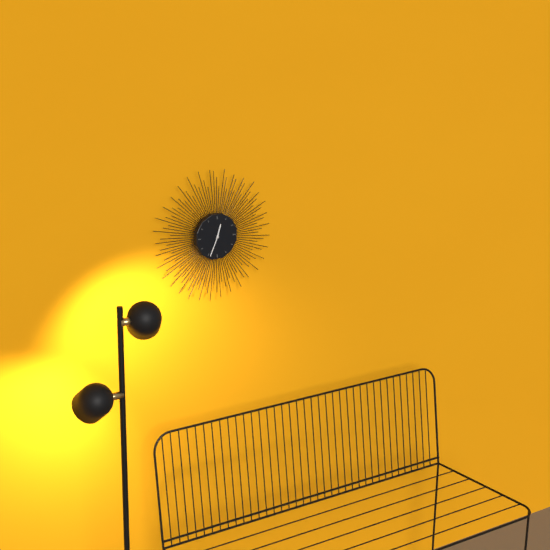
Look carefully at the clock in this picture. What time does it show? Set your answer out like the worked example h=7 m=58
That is h=12 m=34
